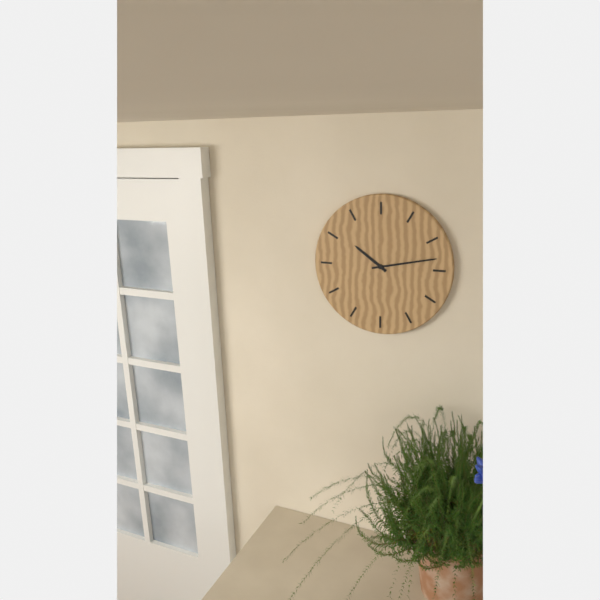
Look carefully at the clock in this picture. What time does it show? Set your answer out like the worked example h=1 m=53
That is h=10 m=13
